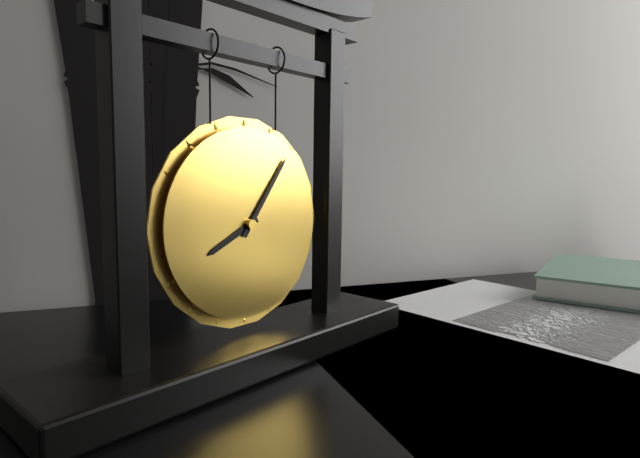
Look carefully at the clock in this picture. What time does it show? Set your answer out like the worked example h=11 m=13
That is h=8 m=6
